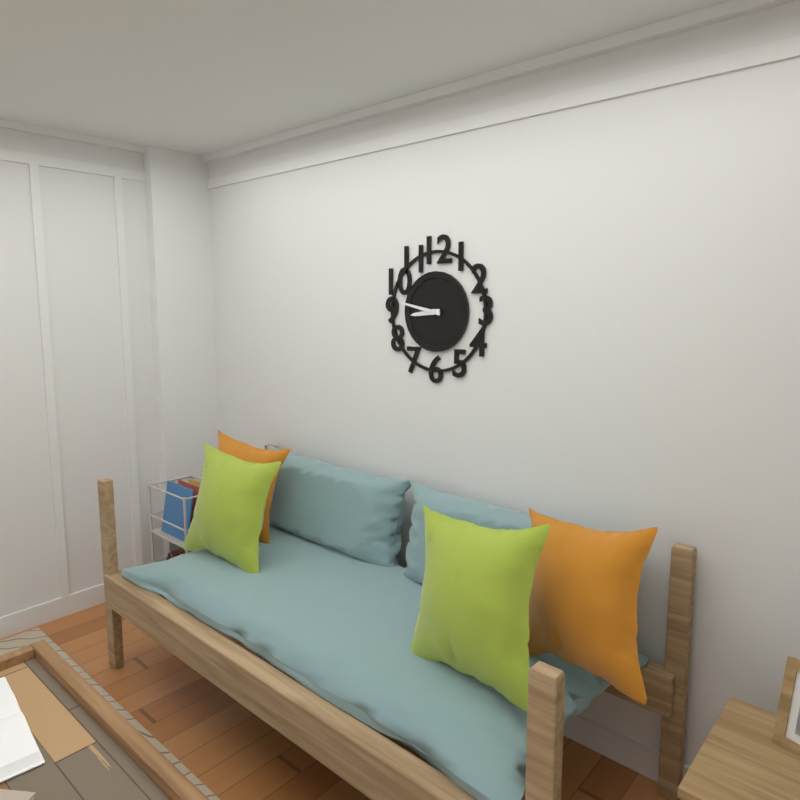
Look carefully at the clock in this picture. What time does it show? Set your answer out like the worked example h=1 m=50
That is h=8 m=47
